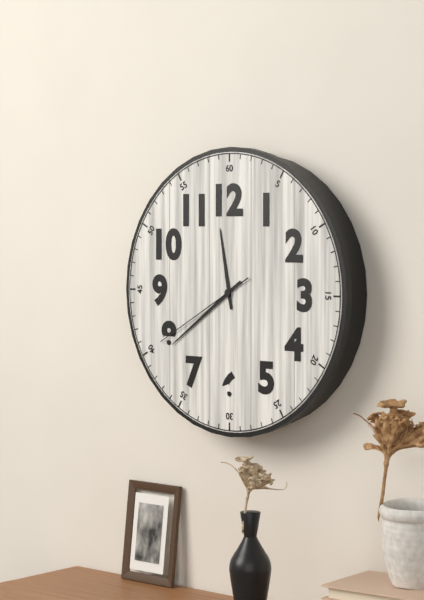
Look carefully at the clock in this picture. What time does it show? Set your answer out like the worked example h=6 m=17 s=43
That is h=11 m=39 s=40
